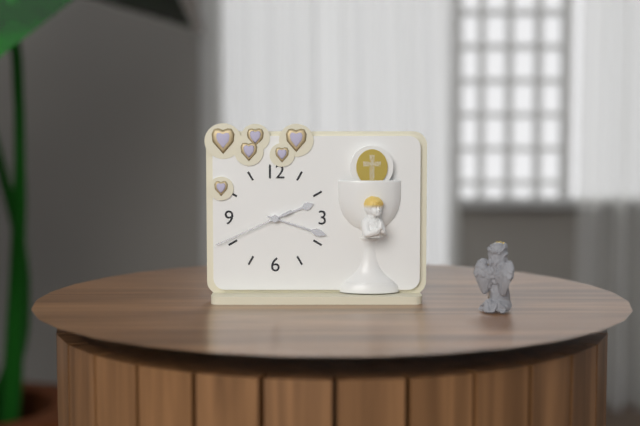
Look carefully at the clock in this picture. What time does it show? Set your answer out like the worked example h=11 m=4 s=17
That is h=2 m=18 s=41
